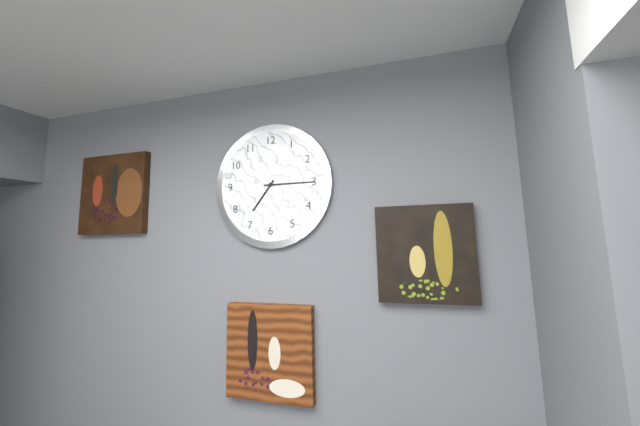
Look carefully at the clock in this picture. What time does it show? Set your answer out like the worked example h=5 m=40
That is h=7 m=15
